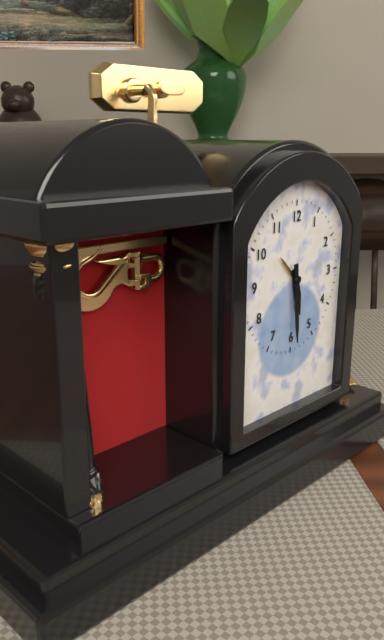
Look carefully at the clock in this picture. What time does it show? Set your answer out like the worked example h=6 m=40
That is h=5 m=29
